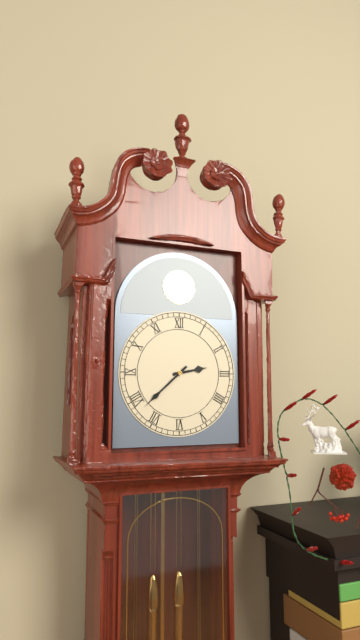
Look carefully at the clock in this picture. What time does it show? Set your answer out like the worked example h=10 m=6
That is h=2 m=38
